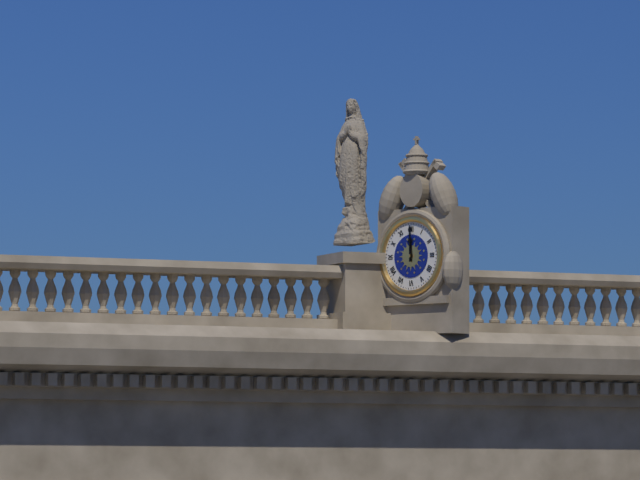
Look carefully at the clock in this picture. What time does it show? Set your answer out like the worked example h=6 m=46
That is h=12 m=0
